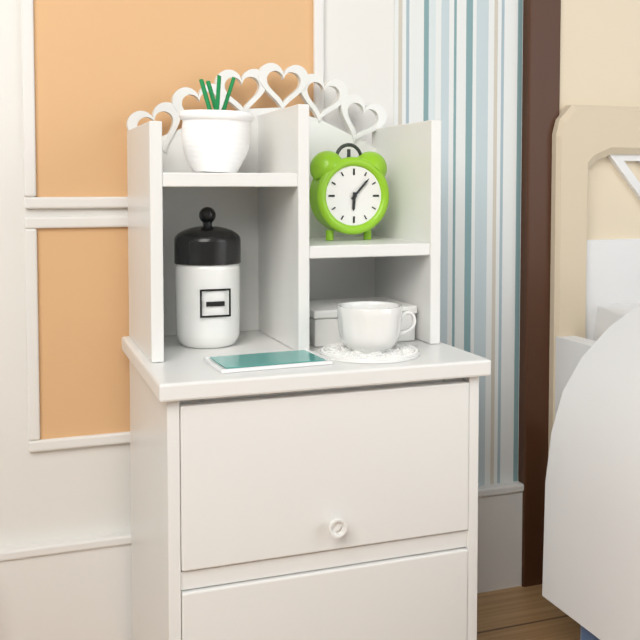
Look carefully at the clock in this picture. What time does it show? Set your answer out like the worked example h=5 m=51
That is h=6 m=7
